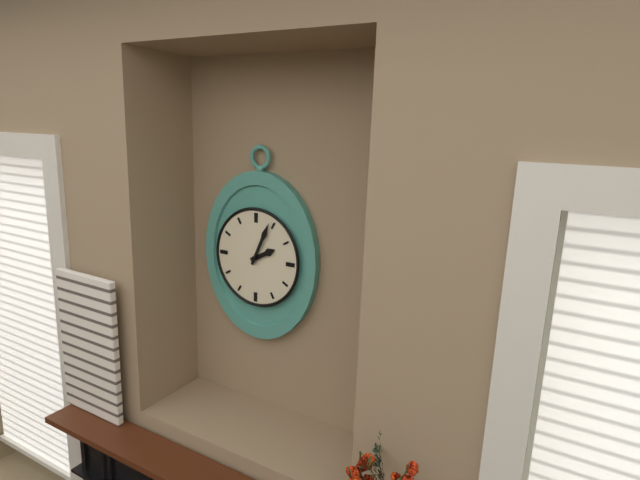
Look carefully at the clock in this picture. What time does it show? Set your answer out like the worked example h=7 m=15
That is h=2 m=4
